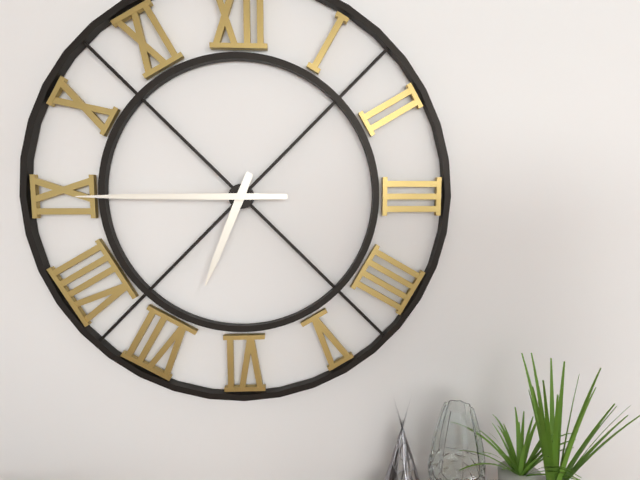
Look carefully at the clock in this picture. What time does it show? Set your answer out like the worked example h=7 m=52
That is h=6 m=45
